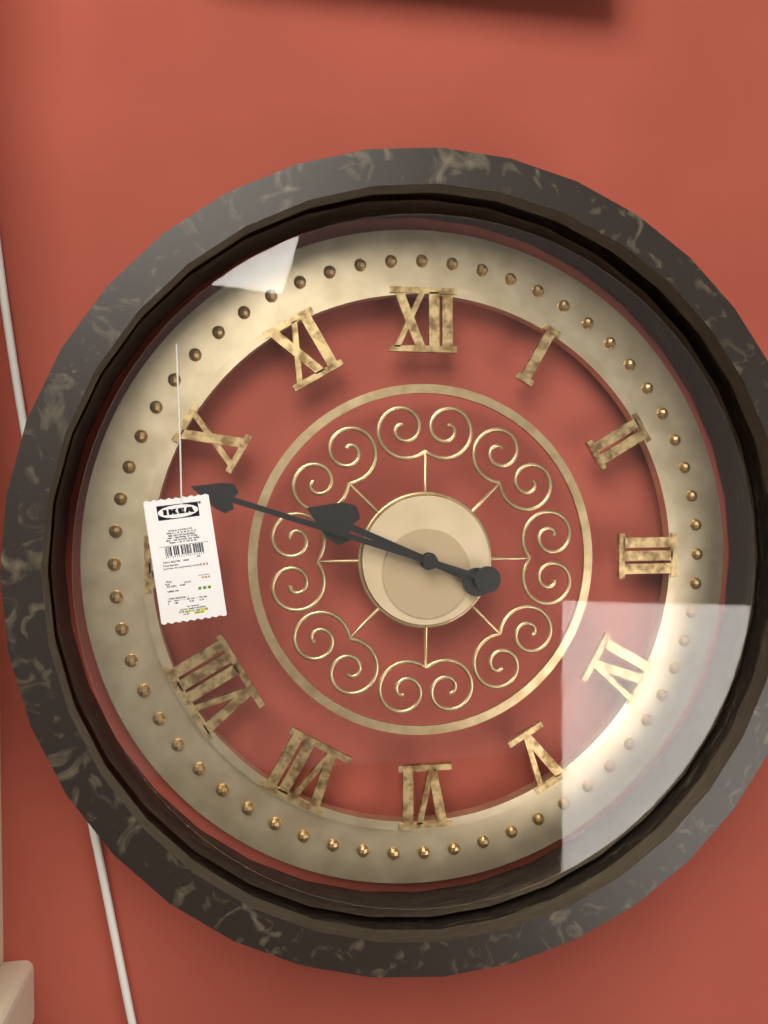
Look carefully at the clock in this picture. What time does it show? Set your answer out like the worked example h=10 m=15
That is h=9 m=48
